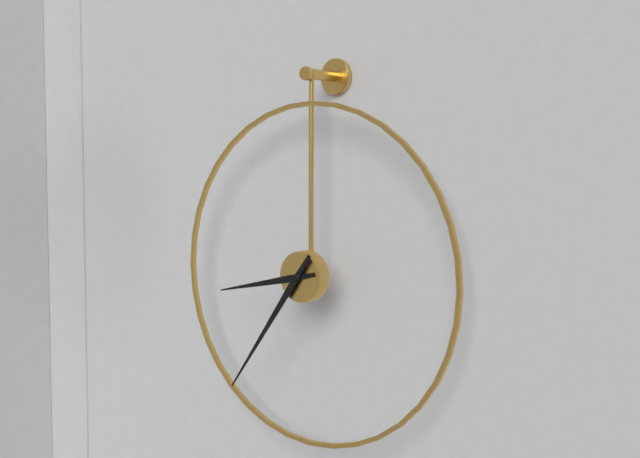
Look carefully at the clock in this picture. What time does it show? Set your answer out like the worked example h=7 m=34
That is h=8 m=36
